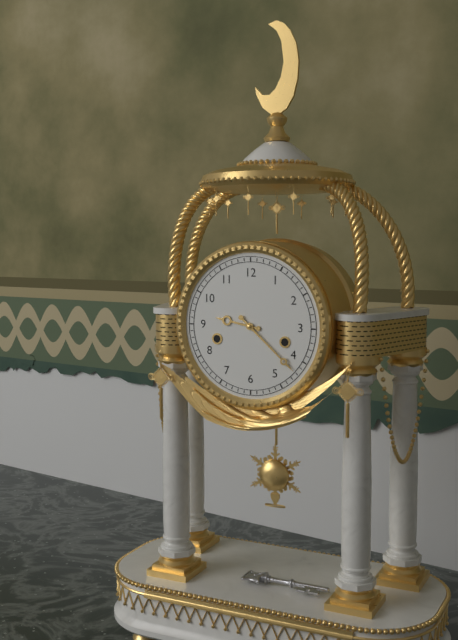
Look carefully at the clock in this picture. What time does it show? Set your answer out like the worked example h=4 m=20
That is h=9 m=22
